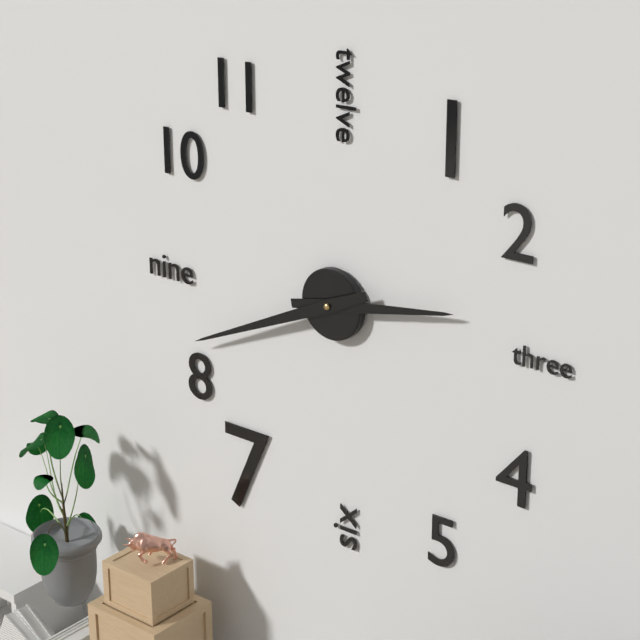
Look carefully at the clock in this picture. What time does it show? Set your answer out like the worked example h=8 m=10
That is h=2 m=41
